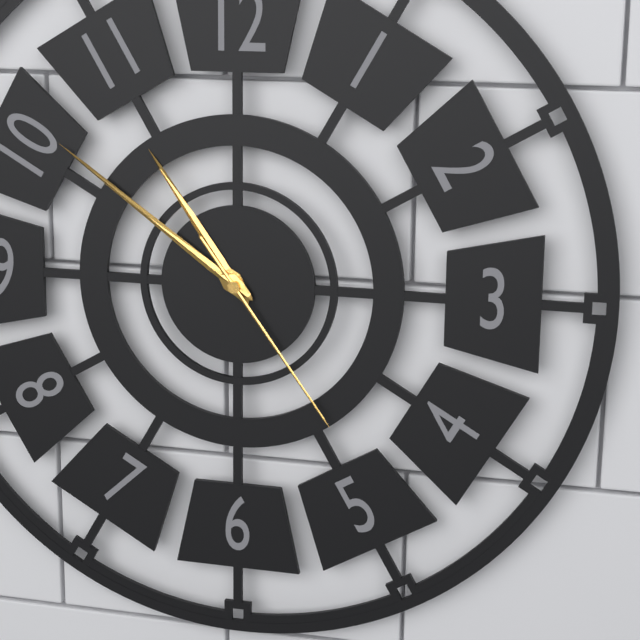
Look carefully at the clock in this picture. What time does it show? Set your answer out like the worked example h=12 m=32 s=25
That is h=10 m=51 s=24
